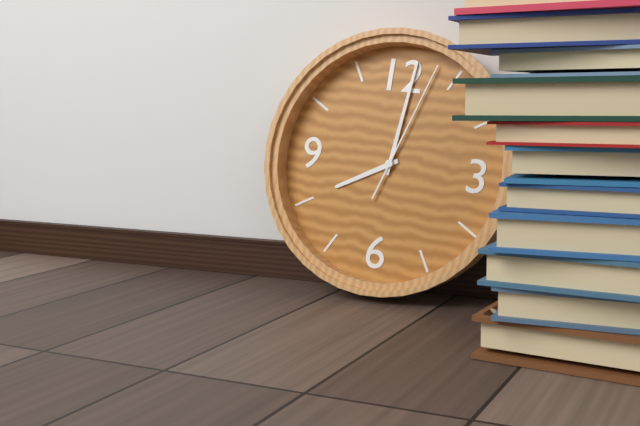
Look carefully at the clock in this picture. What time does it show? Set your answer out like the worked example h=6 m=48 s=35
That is h=8 m=1 s=3
